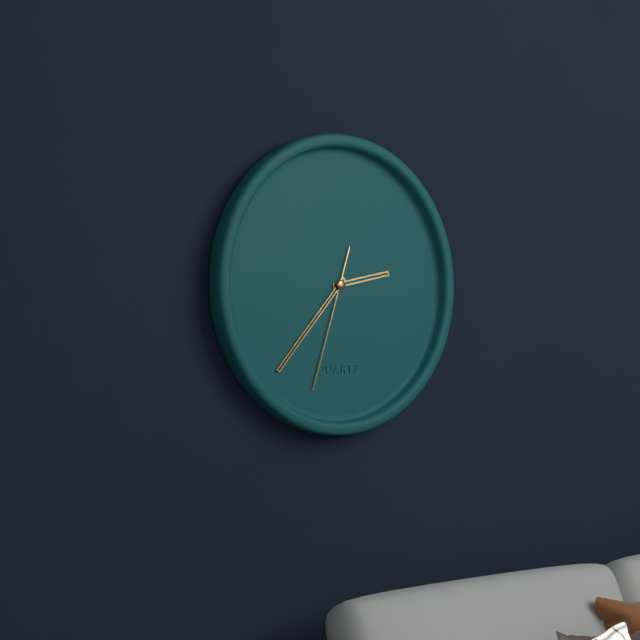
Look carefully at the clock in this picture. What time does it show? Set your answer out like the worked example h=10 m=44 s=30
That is h=2 m=37 s=33
